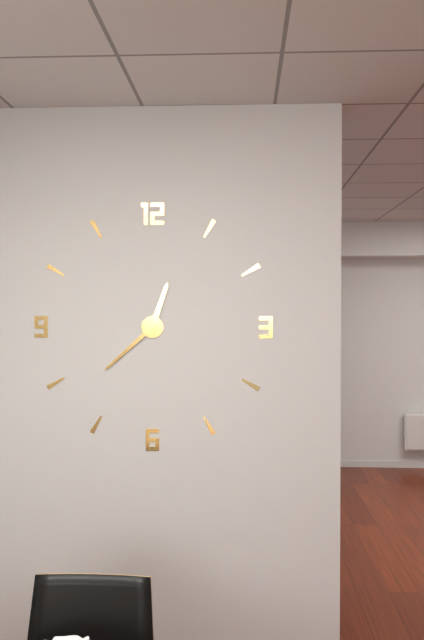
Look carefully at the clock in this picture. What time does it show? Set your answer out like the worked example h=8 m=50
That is h=12 m=38
